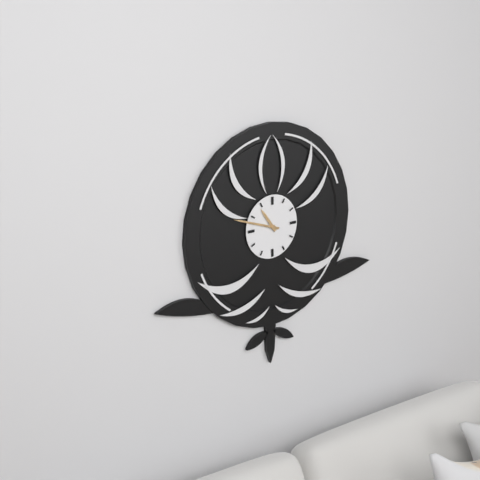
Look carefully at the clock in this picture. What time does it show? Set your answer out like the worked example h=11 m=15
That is h=10 m=48
